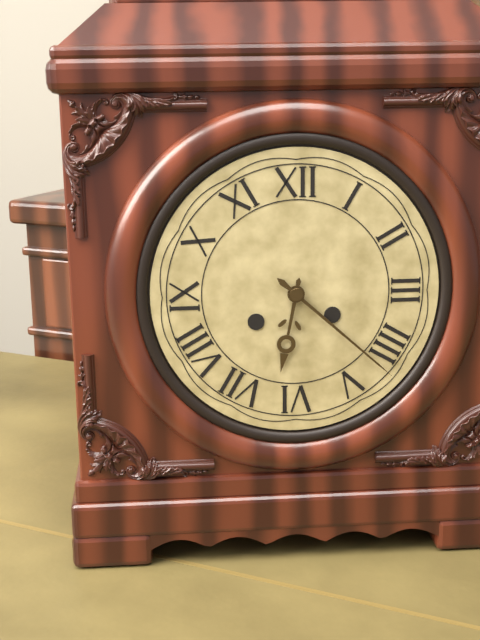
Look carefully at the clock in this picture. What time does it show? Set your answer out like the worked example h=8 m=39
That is h=6 m=22
